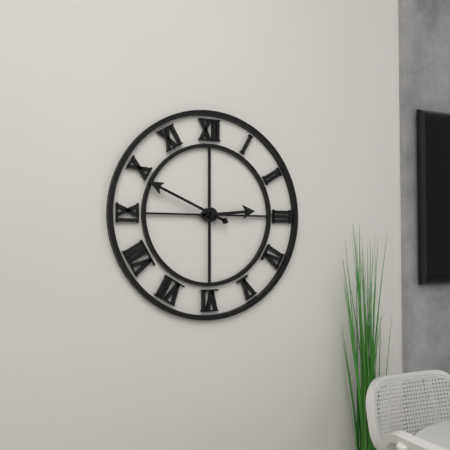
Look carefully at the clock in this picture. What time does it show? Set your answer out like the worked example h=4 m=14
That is h=2 m=49
